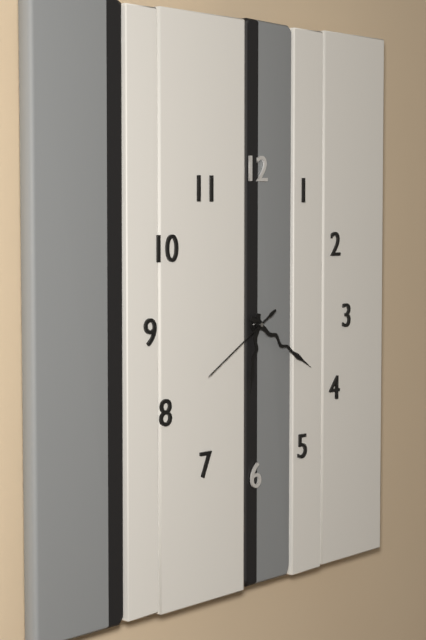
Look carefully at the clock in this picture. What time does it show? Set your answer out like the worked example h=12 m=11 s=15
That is h=6 m=20 s=40
